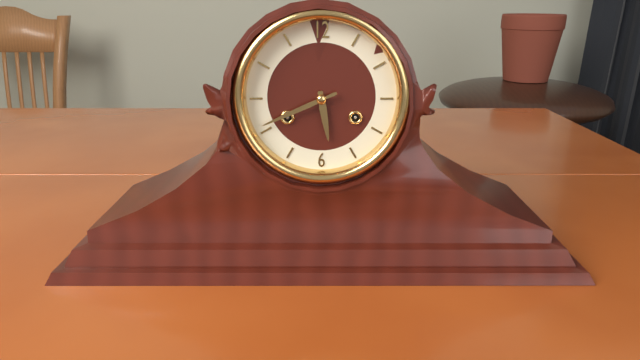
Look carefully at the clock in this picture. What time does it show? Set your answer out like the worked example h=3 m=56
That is h=5 m=41
